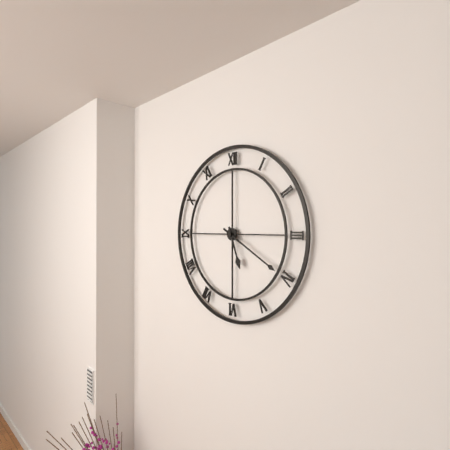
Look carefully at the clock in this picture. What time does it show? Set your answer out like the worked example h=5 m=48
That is h=5 m=20
